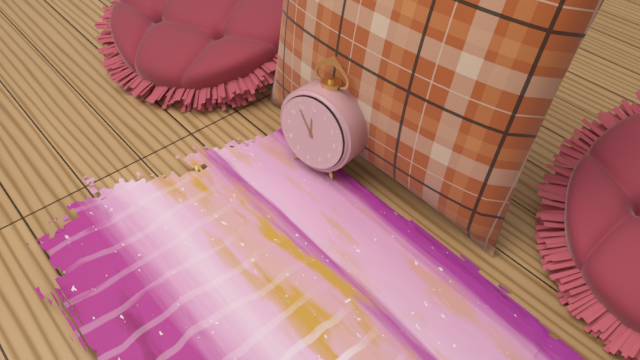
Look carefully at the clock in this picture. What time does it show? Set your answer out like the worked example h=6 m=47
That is h=11 m=54
